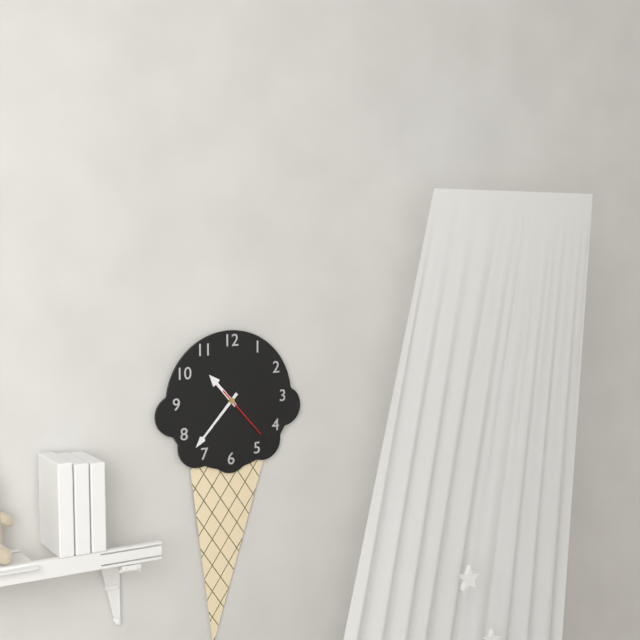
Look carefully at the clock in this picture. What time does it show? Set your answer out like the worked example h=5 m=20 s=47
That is h=10 m=37 s=23
